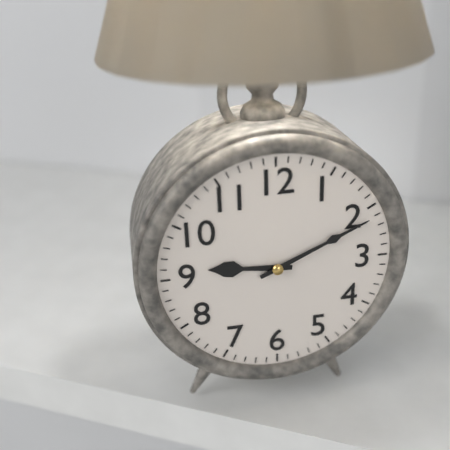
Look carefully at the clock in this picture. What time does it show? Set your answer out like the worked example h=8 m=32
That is h=9 m=11
